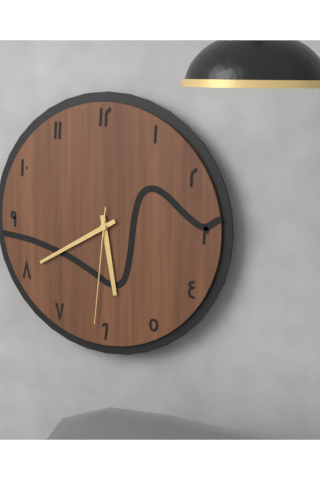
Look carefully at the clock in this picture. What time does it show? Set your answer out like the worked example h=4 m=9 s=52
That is h=5 m=40 s=31
